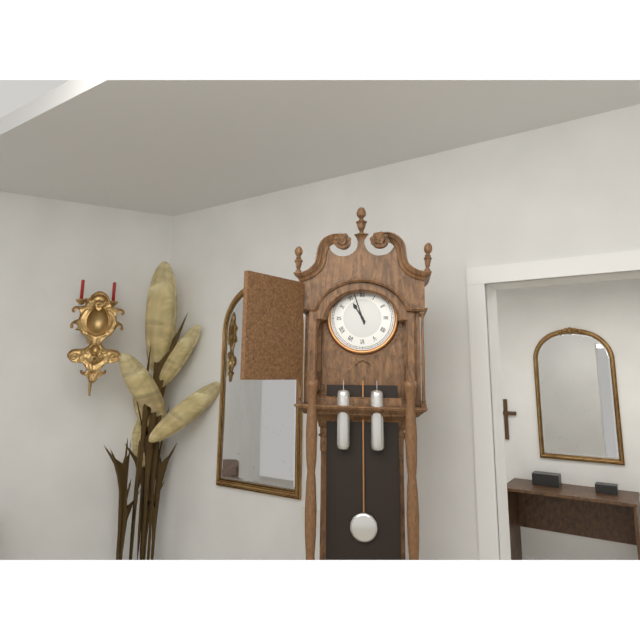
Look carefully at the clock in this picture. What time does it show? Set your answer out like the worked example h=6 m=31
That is h=10 m=57
